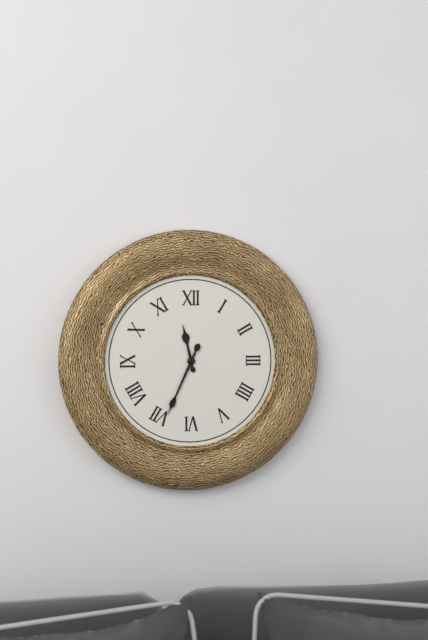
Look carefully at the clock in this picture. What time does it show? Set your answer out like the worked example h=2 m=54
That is h=11 m=34
